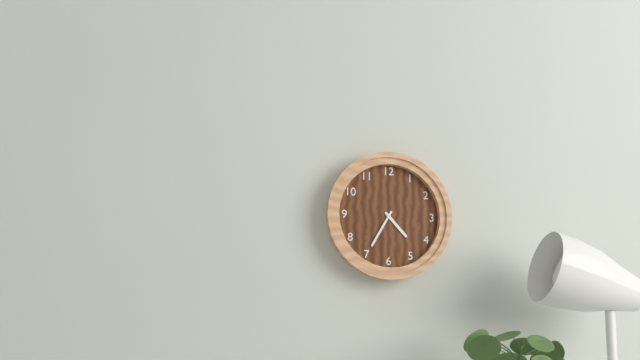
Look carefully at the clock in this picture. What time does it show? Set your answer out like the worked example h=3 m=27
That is h=4 m=35
